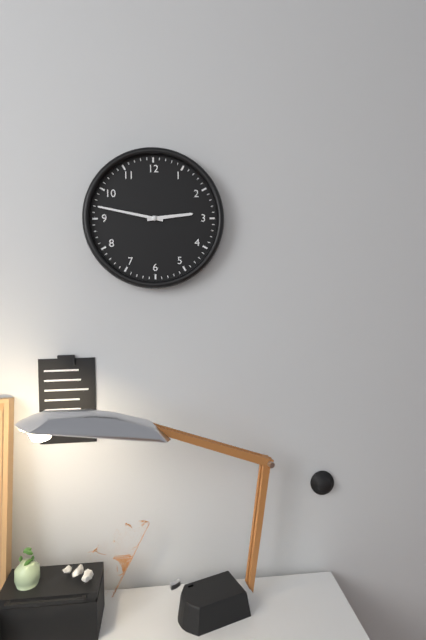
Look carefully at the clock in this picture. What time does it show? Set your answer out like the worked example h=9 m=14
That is h=2 m=47
